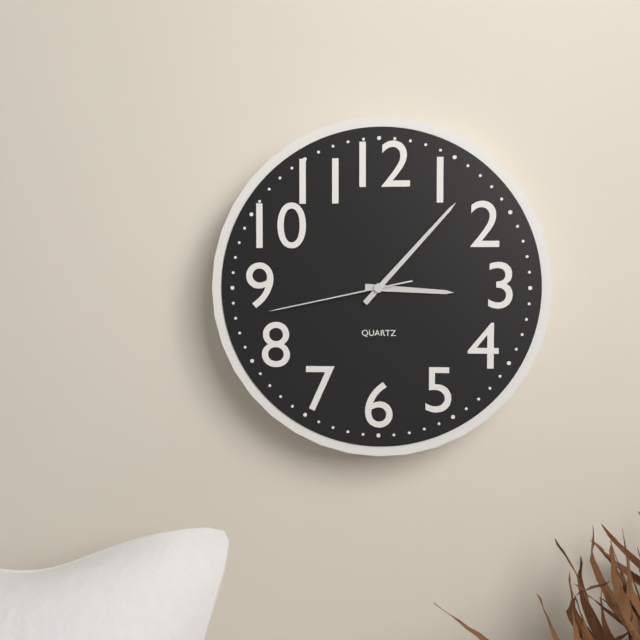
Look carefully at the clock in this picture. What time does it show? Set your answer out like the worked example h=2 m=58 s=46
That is h=3 m=7 s=43
